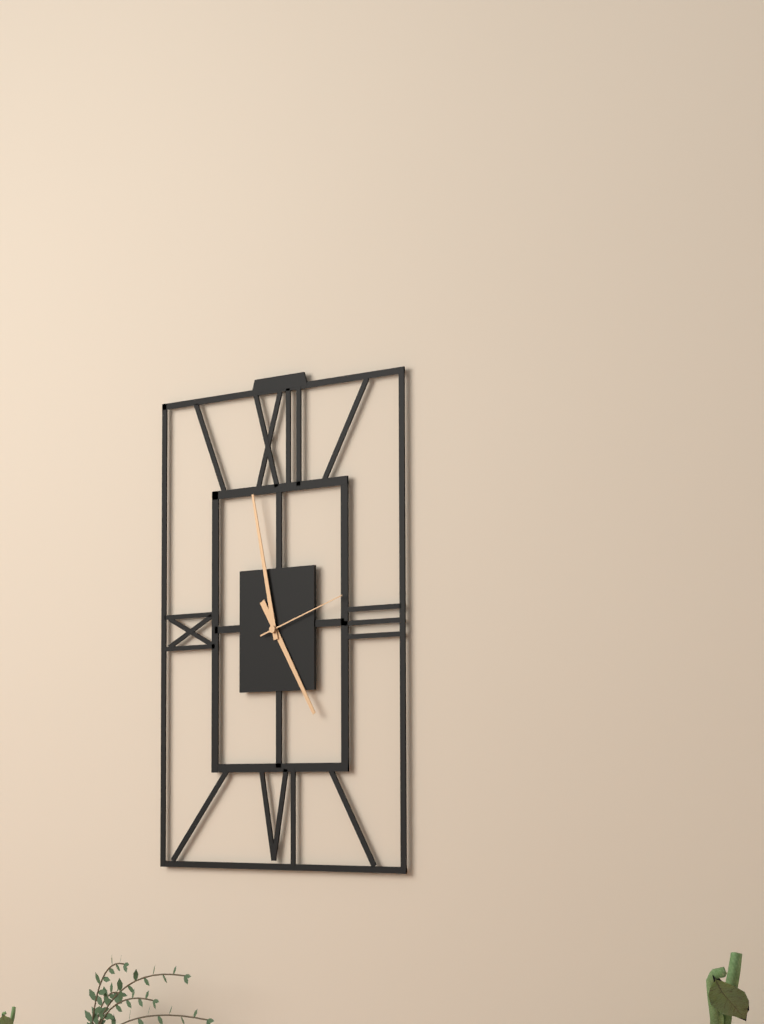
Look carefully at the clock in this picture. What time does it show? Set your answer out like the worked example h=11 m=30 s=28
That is h=4 m=58 s=12
